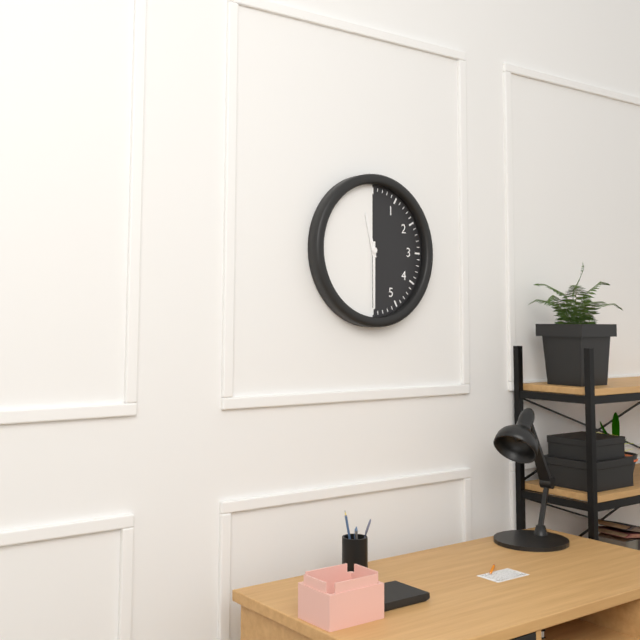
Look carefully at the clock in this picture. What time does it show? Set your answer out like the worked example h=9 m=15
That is h=11 m=30
